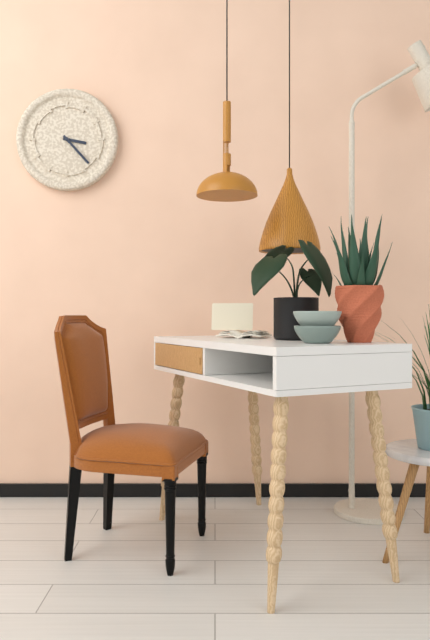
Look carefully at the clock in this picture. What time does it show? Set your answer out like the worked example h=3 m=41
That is h=3 m=23
